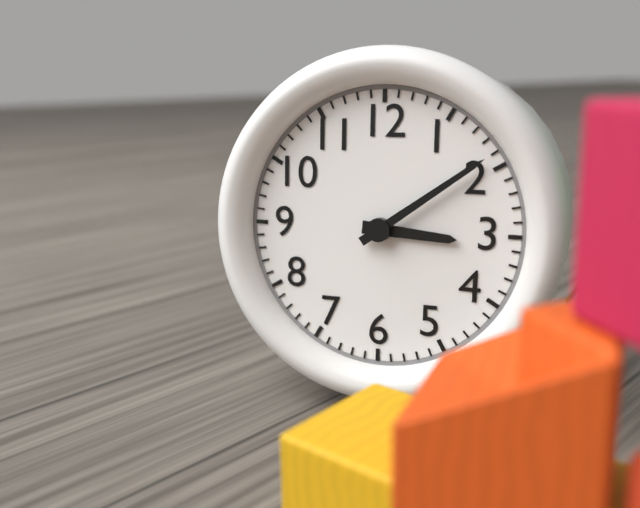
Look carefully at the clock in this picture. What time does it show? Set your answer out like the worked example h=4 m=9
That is h=3 m=9
